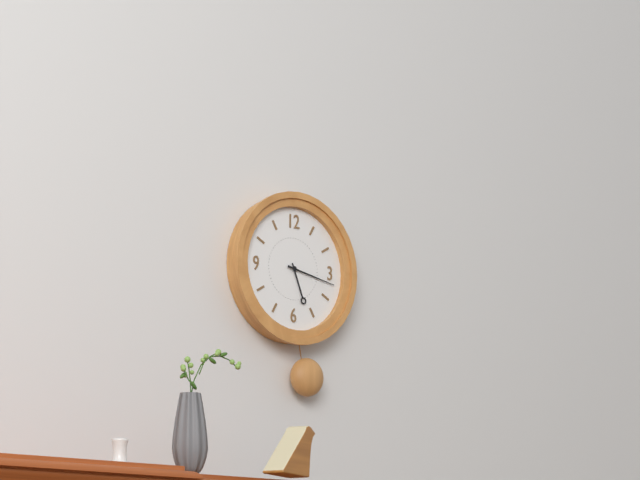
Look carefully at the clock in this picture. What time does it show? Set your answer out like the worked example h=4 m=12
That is h=5 m=17
